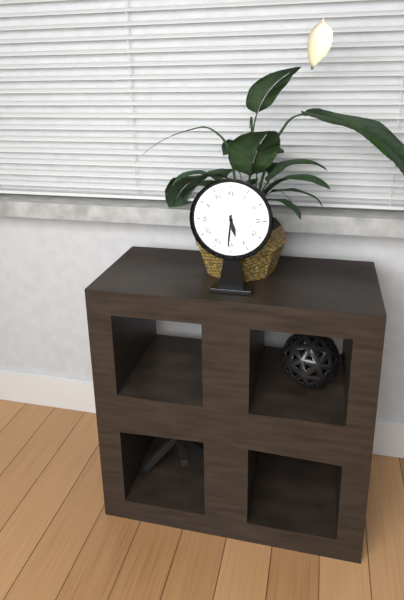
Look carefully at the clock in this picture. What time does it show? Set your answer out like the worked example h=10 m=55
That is h=5 m=31
